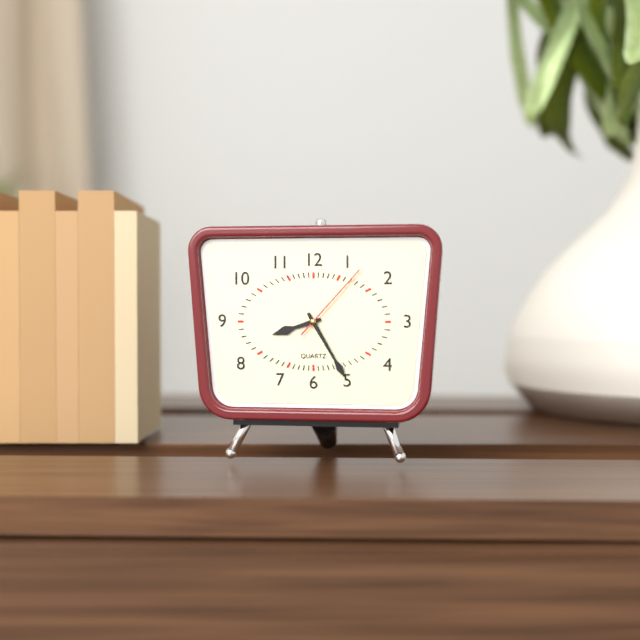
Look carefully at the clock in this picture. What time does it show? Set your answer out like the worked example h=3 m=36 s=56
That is h=8 m=25 s=7
